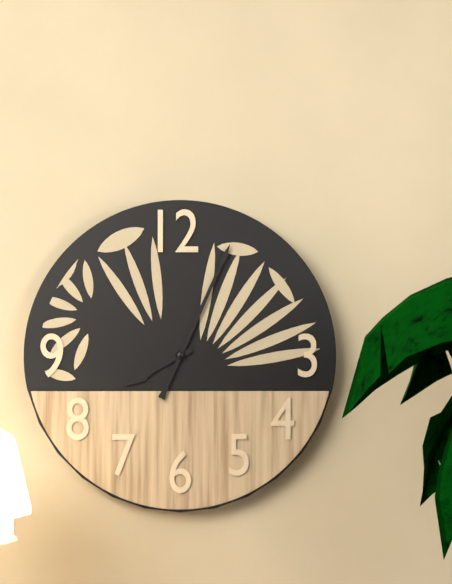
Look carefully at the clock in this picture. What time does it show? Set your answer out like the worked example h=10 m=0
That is h=8 m=4
